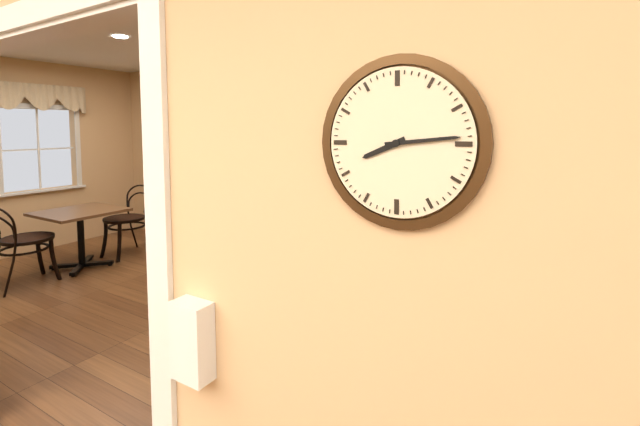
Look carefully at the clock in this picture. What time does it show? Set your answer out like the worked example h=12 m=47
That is h=8 m=14
